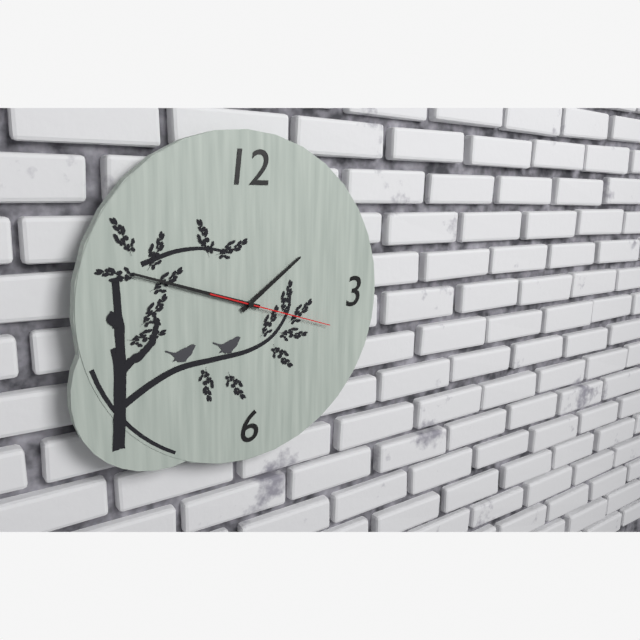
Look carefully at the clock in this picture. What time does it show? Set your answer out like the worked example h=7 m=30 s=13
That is h=1 m=48 s=18
